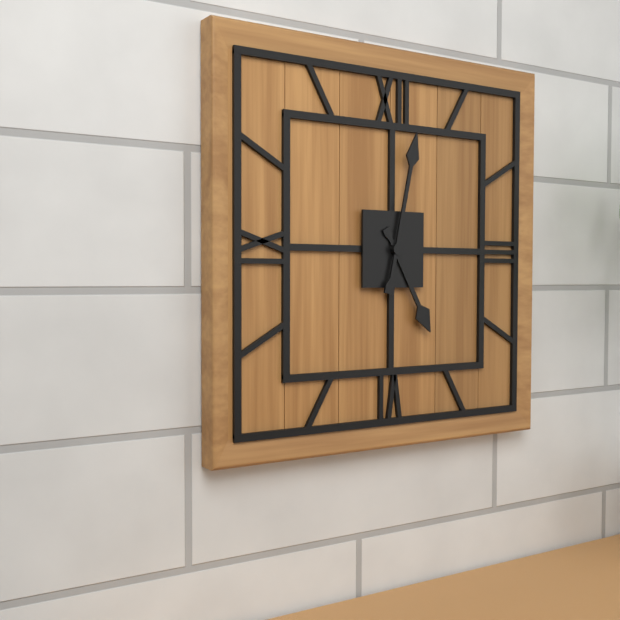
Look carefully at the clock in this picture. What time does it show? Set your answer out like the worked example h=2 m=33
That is h=5 m=2
